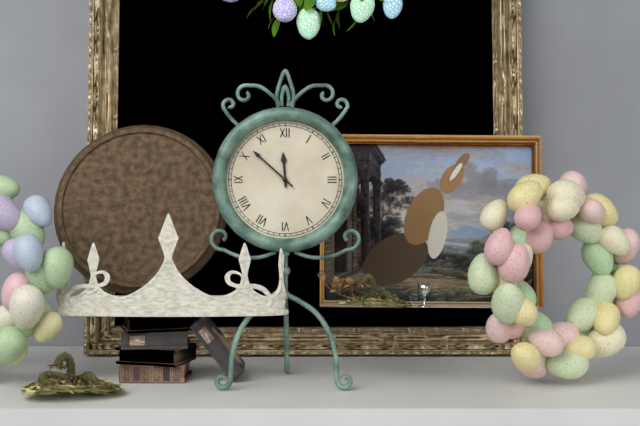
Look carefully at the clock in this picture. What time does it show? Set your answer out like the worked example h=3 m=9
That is h=11 m=52
